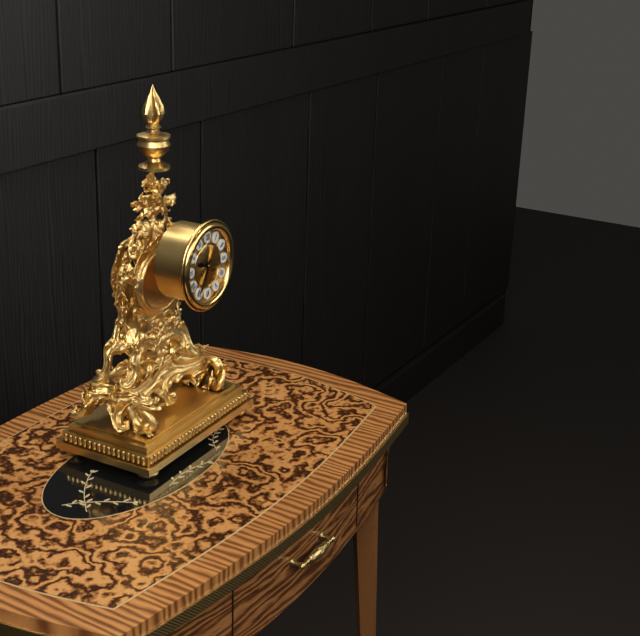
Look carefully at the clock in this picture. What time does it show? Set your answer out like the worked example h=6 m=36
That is h=9 m=35
